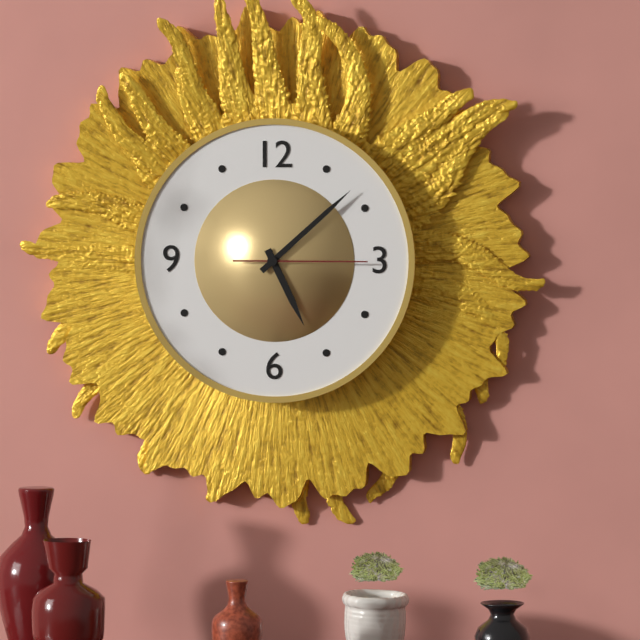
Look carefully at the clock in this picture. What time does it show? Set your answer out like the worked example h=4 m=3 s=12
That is h=5 m=8 s=15
